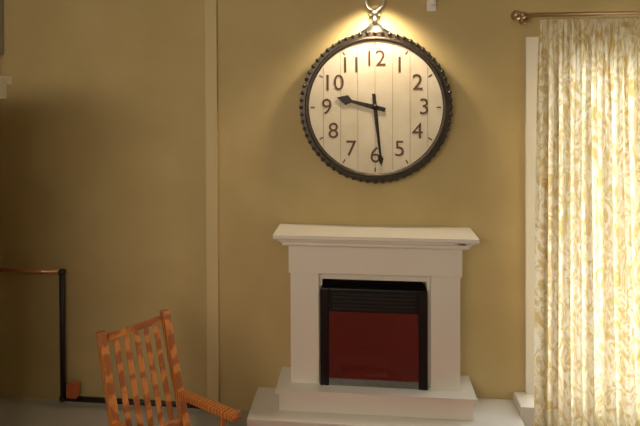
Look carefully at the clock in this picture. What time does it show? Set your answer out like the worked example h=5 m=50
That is h=9 m=29
